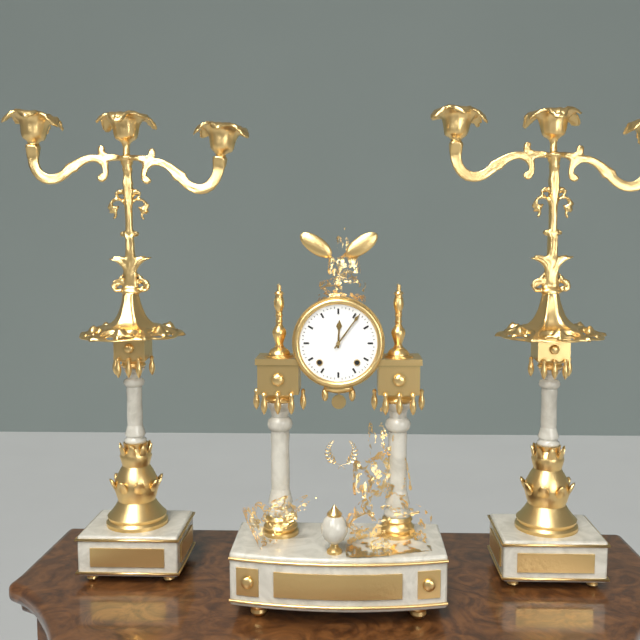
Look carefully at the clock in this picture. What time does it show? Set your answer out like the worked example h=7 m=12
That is h=12 m=6
